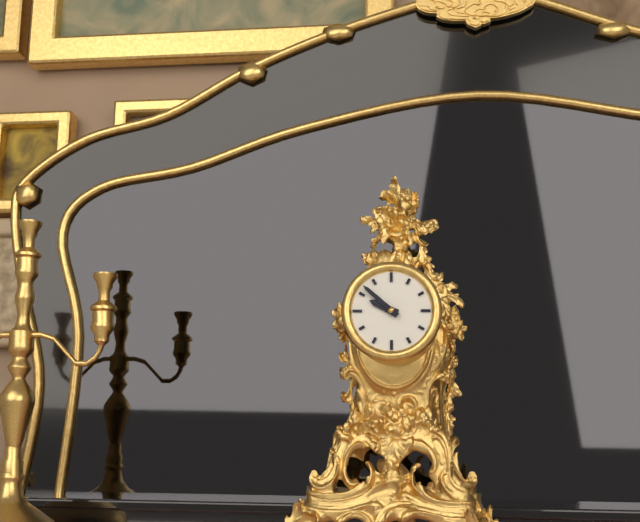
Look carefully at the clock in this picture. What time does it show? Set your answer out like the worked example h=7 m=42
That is h=9 m=52
